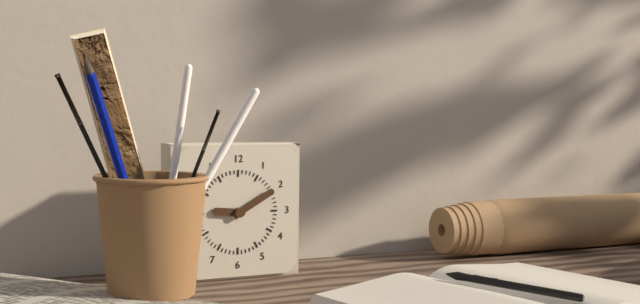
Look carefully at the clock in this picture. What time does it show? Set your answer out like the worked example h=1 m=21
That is h=9 m=10
